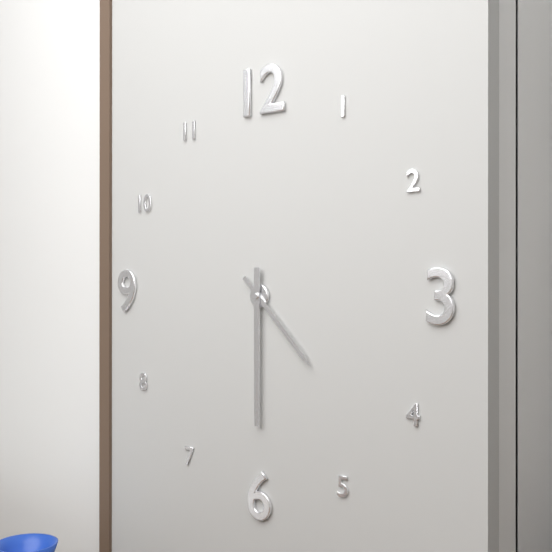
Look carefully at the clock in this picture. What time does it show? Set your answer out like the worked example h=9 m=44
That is h=4 m=30
